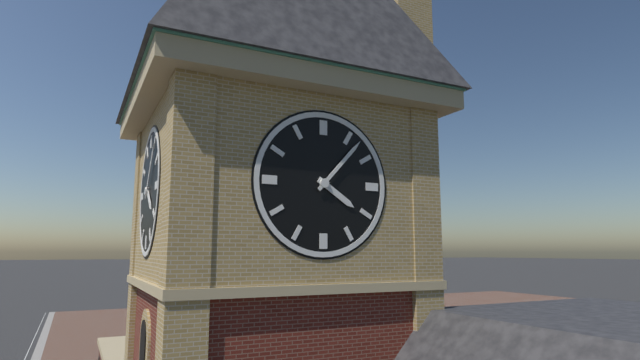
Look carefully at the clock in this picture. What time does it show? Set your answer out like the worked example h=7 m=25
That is h=4 m=7
